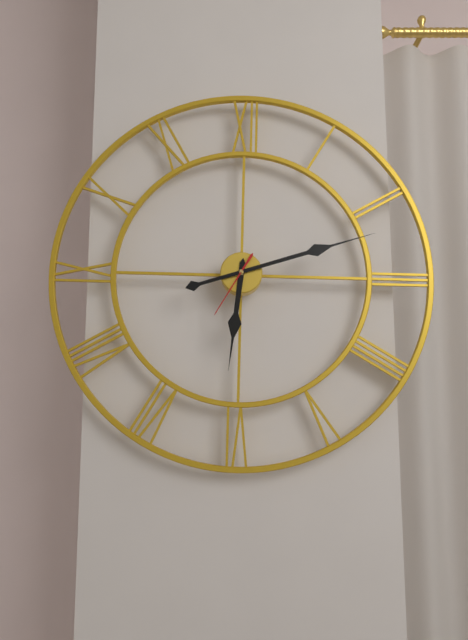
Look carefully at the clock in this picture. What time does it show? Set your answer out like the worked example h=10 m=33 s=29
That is h=6 m=12 s=35
